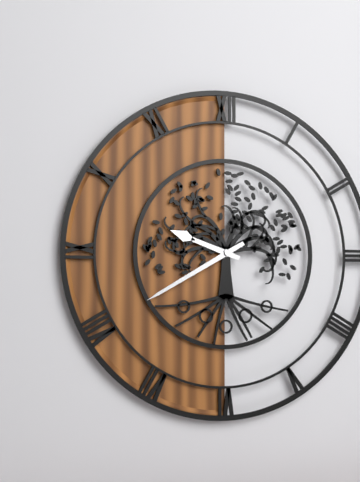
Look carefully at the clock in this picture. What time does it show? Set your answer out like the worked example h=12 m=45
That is h=9 m=40
